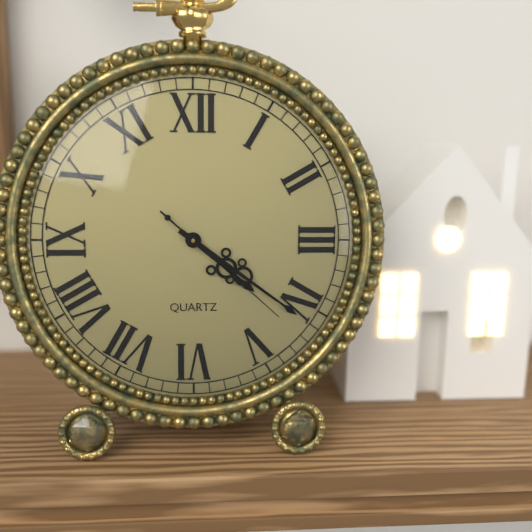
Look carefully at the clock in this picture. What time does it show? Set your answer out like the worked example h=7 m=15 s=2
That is h=4 m=21 s=22
